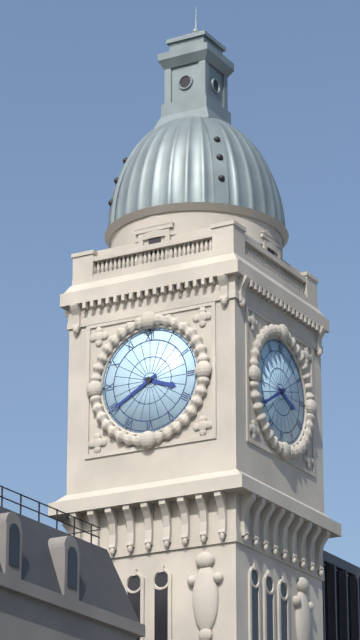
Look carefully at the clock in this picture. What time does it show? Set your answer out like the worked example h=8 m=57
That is h=3 m=40
